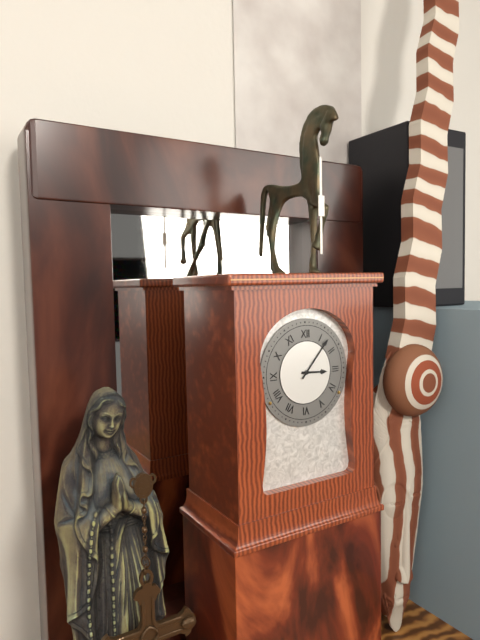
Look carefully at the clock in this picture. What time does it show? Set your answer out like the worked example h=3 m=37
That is h=3 m=7
